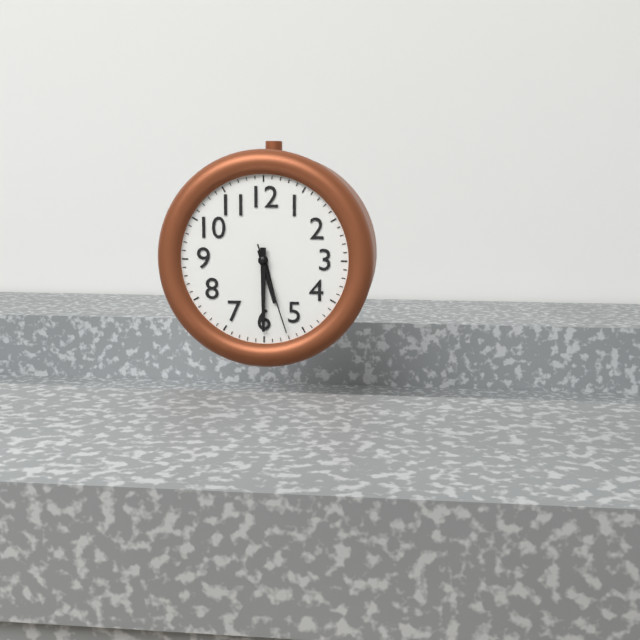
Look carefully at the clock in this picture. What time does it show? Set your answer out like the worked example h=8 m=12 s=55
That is h=5 m=30 s=27
